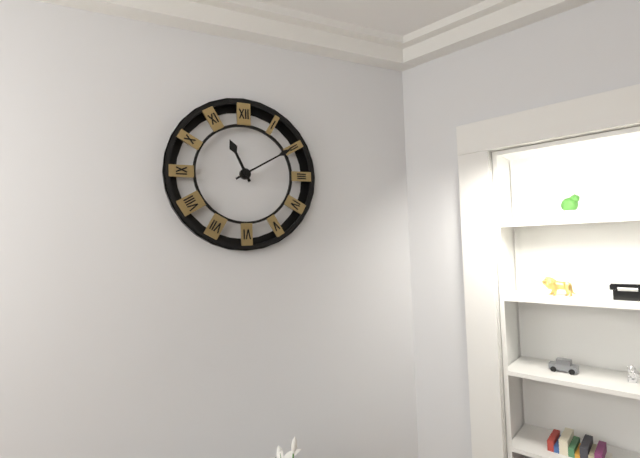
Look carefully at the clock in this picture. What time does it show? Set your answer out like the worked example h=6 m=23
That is h=11 m=10
